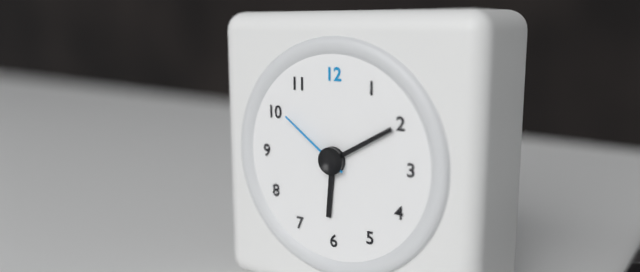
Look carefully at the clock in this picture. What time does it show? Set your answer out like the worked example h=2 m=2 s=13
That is h=6 m=10 s=51
